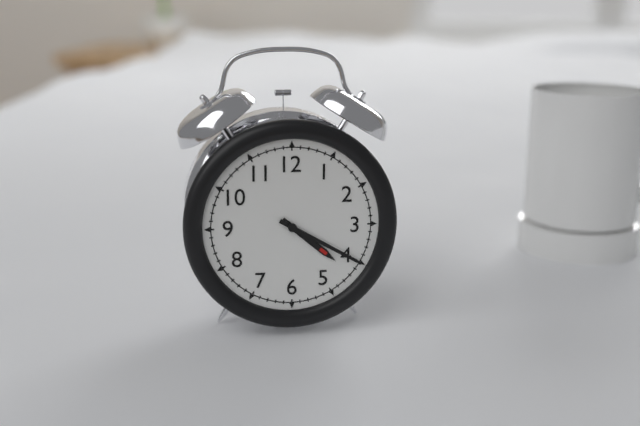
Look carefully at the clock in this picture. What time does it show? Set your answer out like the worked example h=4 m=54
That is h=4 m=20
